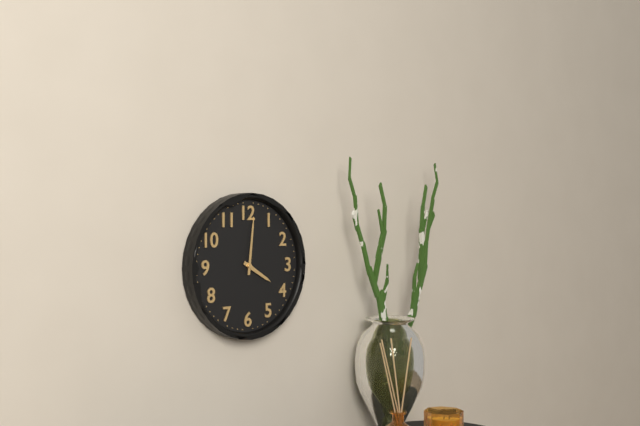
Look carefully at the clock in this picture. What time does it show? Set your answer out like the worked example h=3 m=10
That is h=4 m=1
